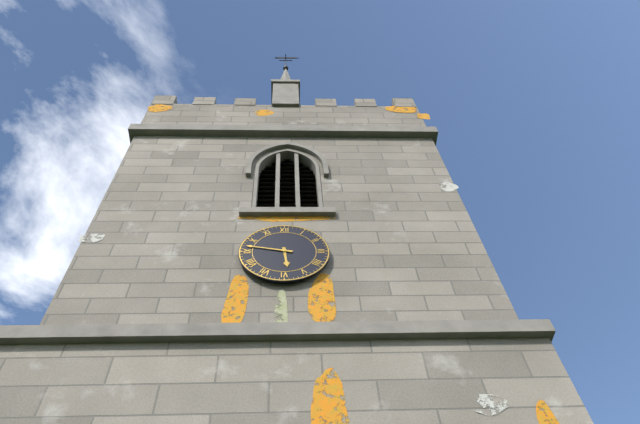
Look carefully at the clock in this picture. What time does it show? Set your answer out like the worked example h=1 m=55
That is h=5 m=47
